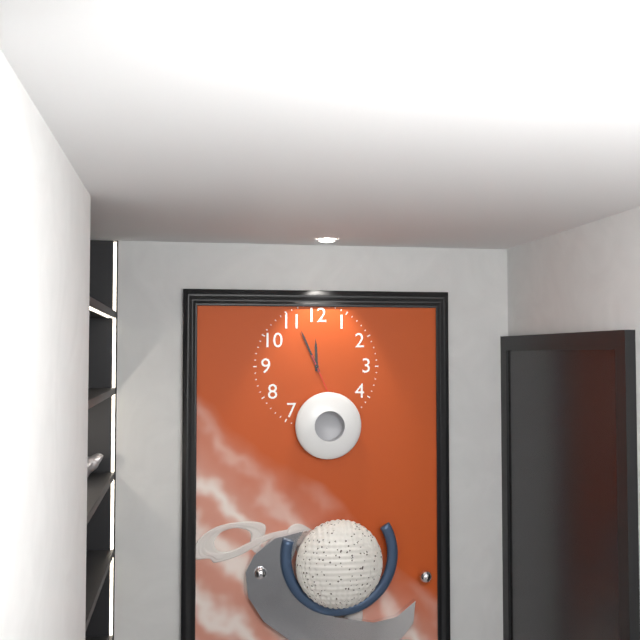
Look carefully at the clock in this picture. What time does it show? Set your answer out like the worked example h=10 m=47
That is h=11 m=56
